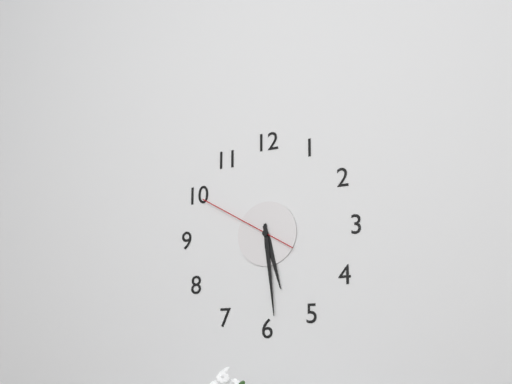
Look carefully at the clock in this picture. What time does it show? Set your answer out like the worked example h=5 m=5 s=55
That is h=5 m=29 s=50
